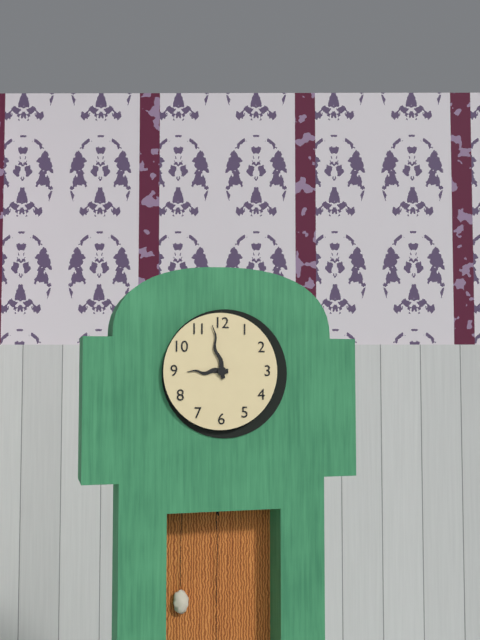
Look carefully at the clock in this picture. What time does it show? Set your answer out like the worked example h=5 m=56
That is h=8 m=58
